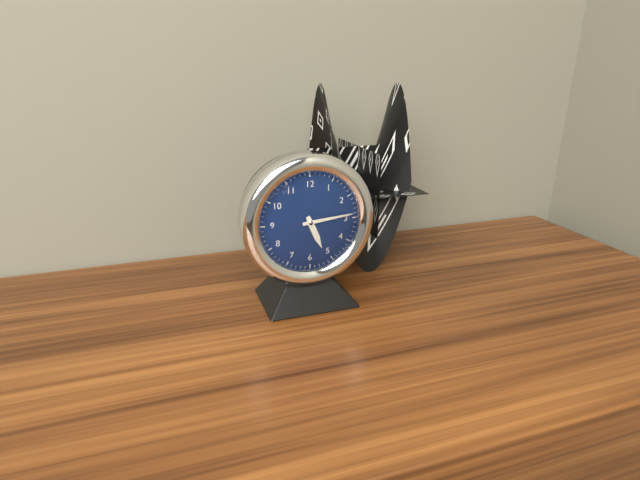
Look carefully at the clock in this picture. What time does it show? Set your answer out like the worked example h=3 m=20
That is h=5 m=14
